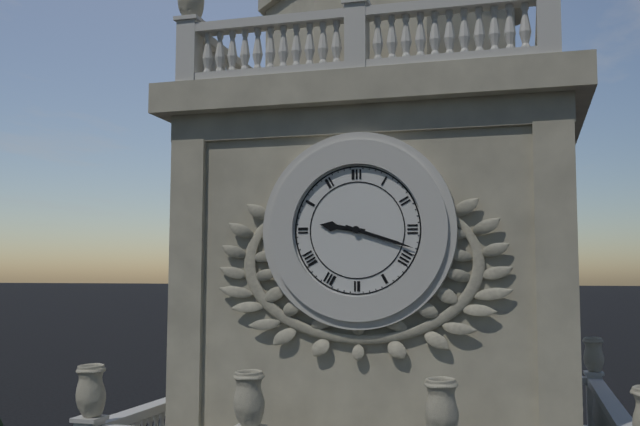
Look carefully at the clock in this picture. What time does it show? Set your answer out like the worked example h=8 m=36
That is h=9 m=18
